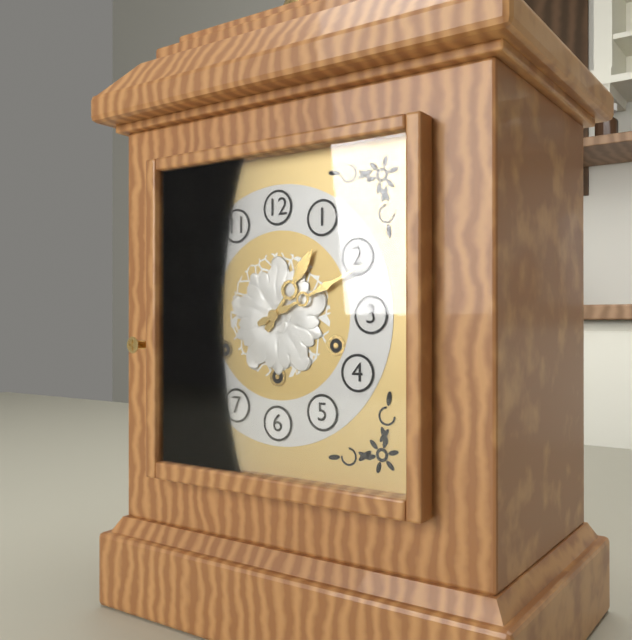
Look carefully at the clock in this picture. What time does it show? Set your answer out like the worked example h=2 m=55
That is h=1 m=11
